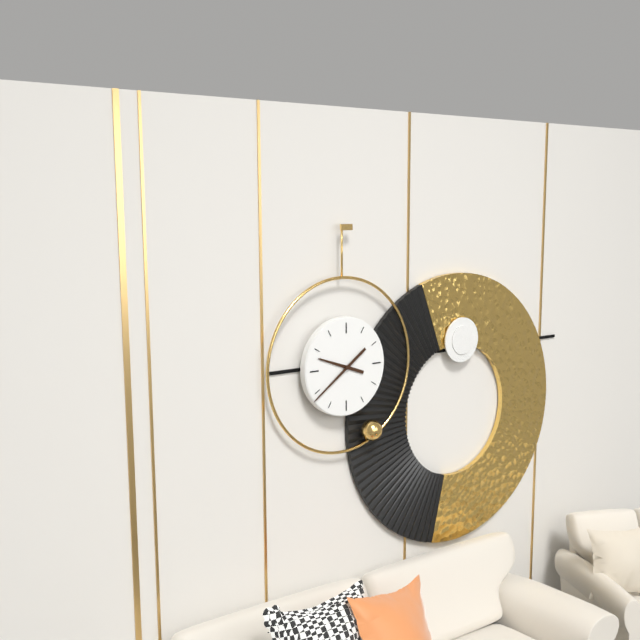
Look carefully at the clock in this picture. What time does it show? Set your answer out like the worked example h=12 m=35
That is h=9 m=39
